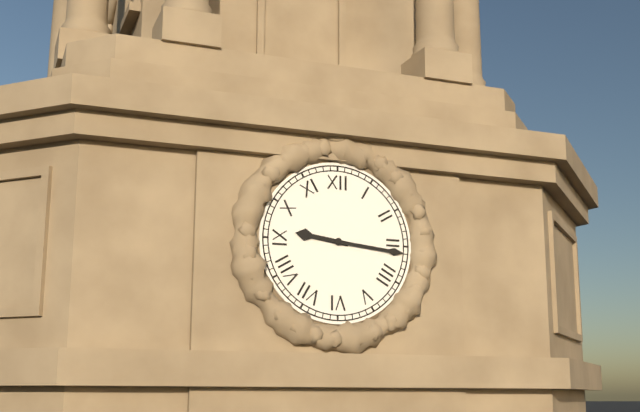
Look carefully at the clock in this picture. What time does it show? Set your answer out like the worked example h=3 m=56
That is h=9 m=16
